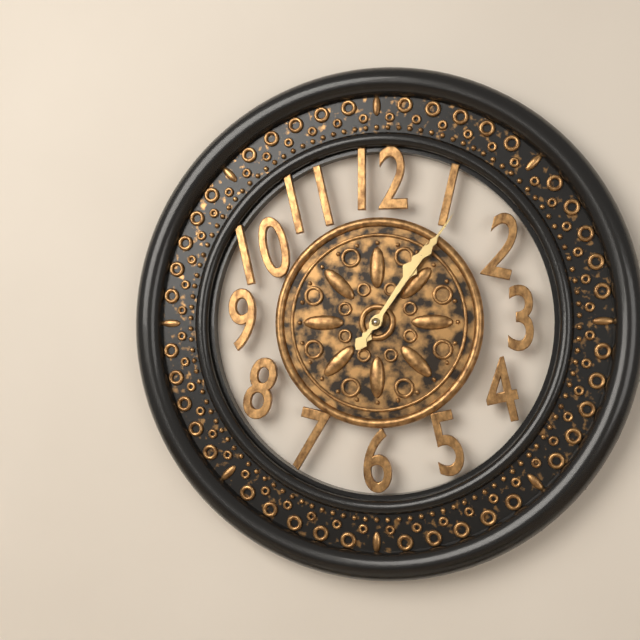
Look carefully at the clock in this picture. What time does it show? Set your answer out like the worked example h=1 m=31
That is h=1 m=6
